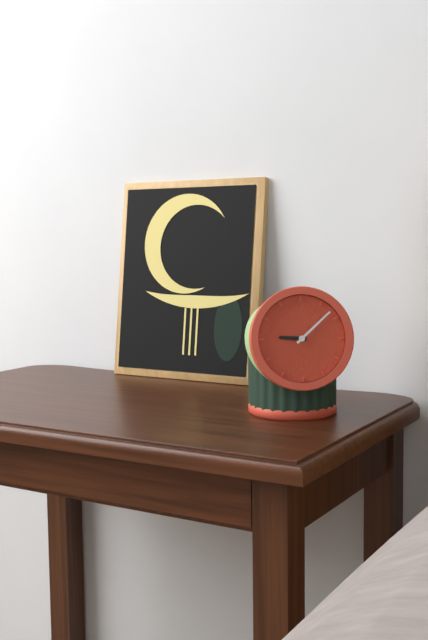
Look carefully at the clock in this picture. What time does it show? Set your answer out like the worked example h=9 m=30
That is h=9 m=8
